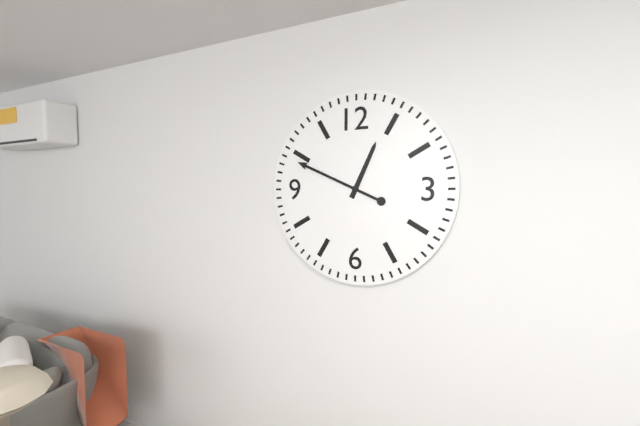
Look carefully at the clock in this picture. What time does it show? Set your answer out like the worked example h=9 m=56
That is h=12 m=49
